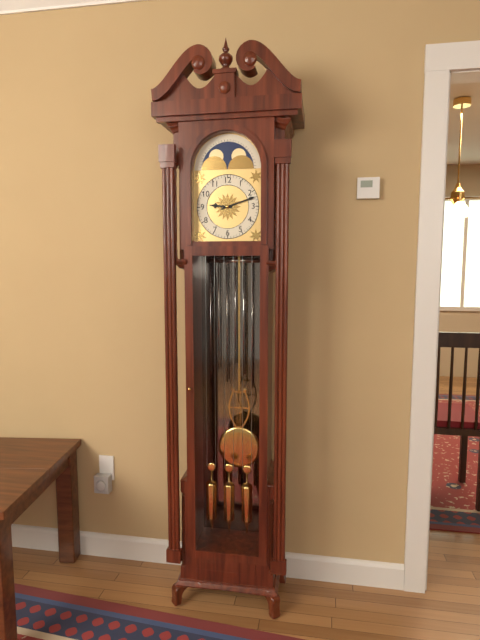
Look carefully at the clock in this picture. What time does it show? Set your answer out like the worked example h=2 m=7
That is h=9 m=12
